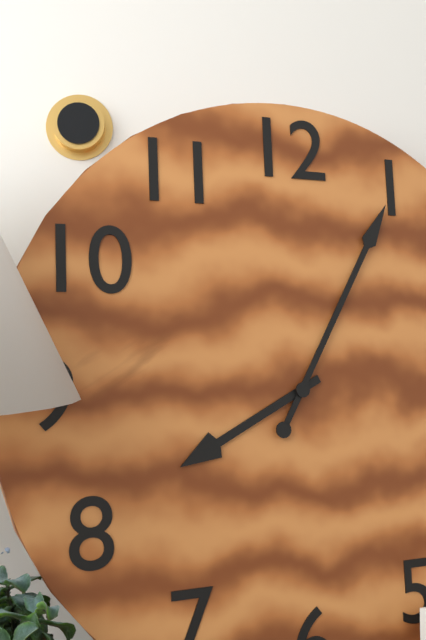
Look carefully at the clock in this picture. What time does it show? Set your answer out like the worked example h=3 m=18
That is h=8 m=5
